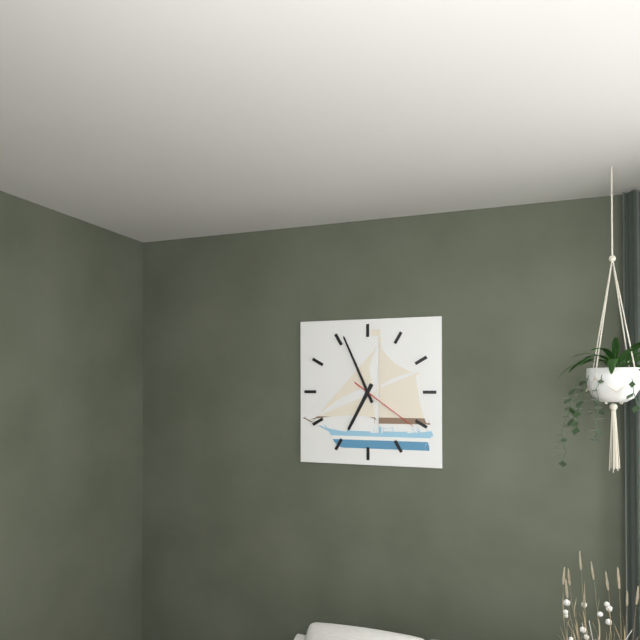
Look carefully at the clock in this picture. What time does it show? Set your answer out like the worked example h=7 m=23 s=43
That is h=6 m=56 s=21
